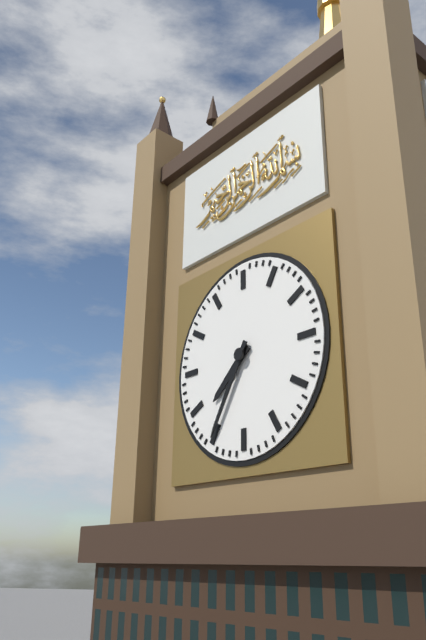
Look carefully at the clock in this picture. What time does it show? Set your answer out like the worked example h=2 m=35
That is h=7 m=35
